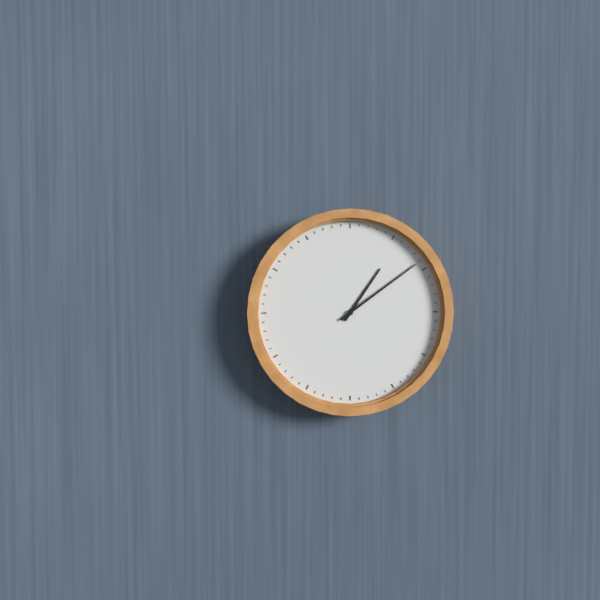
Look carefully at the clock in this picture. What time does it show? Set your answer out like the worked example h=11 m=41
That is h=1 m=9
